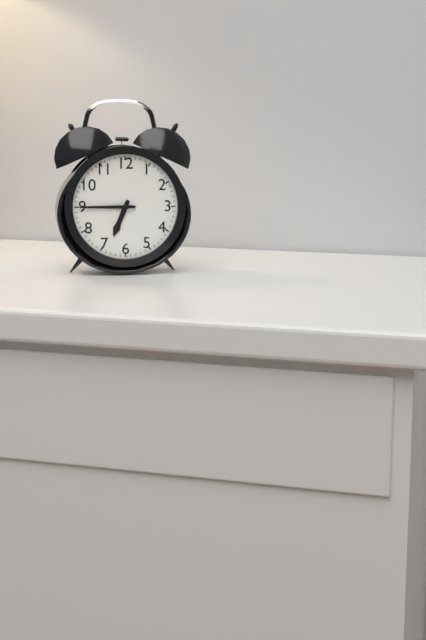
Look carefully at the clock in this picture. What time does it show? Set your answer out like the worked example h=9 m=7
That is h=6 m=45
